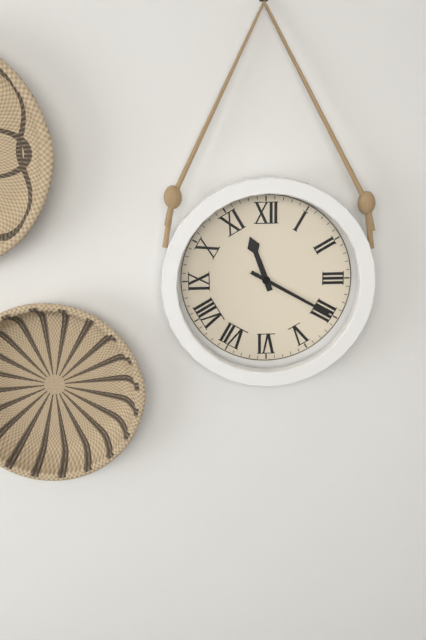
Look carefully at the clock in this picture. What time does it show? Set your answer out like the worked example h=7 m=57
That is h=11 m=20
